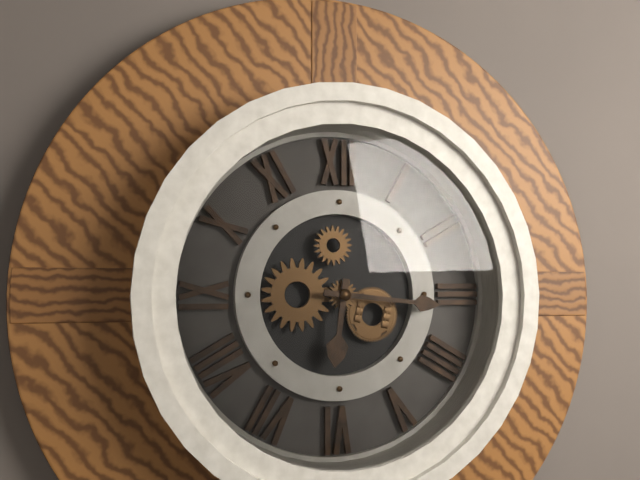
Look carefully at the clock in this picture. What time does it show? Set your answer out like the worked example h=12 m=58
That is h=6 m=16
